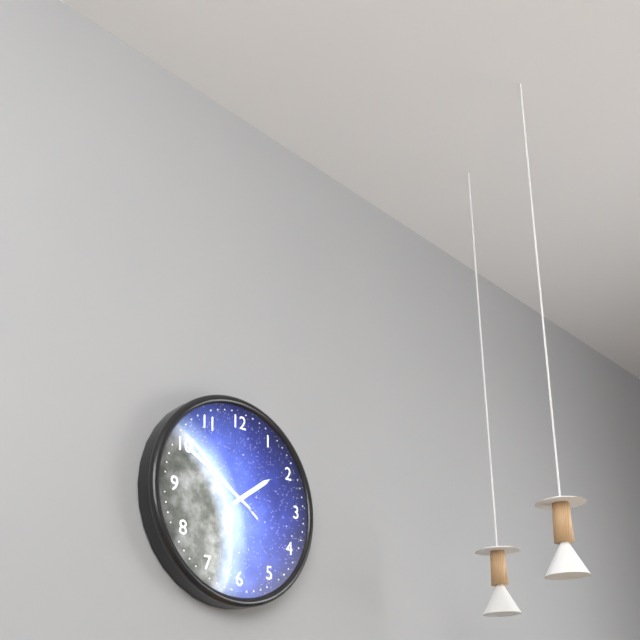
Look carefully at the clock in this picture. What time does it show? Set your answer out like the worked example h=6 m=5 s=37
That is h=1 m=50 s=51
